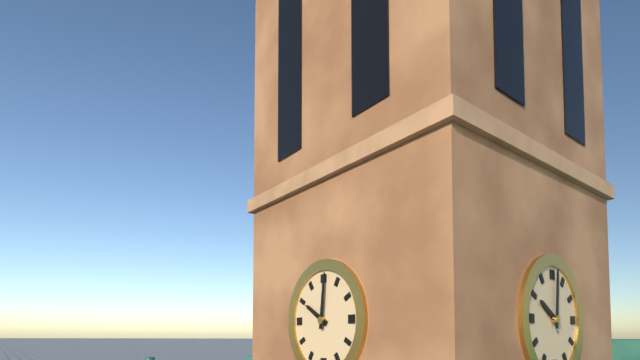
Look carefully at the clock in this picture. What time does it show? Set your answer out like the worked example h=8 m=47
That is h=10 m=1
